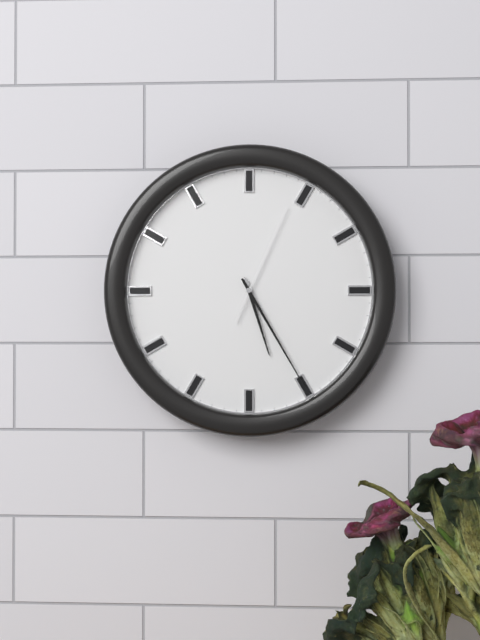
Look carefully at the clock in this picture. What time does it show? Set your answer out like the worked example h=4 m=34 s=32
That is h=5 m=25 s=4
